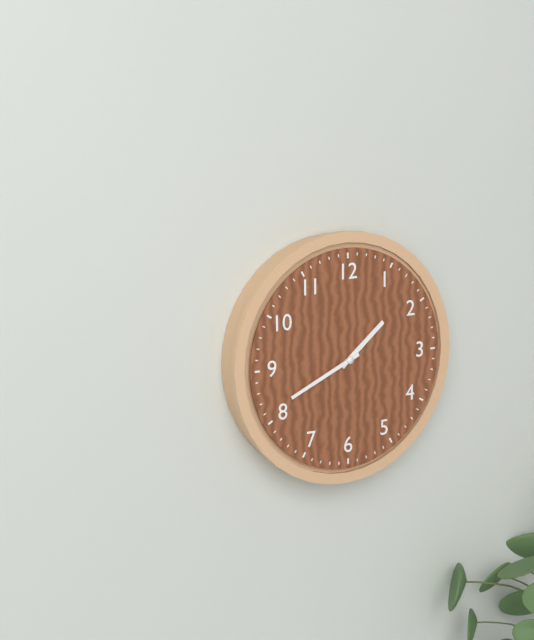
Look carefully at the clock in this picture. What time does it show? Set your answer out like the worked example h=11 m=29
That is h=1 m=41
